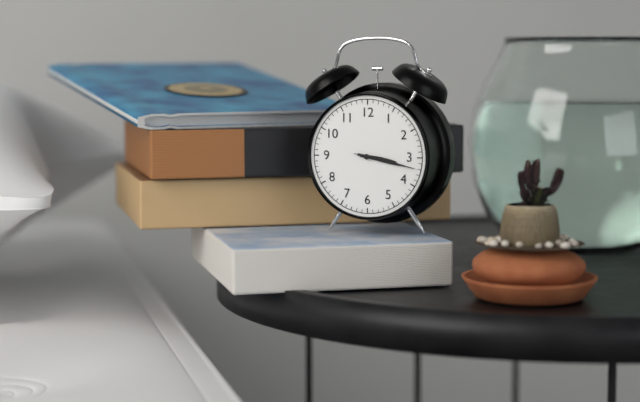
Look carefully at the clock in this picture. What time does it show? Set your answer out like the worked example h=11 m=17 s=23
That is h=3 m=17 s=17
